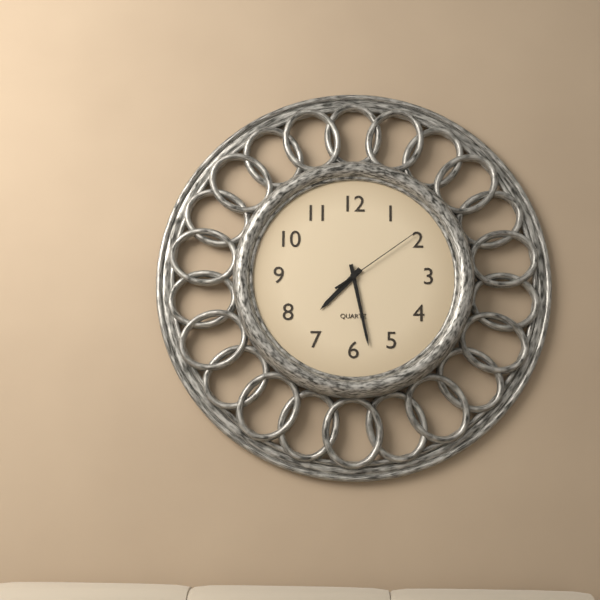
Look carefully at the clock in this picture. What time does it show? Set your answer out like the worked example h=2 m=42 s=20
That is h=7 m=28 s=9
